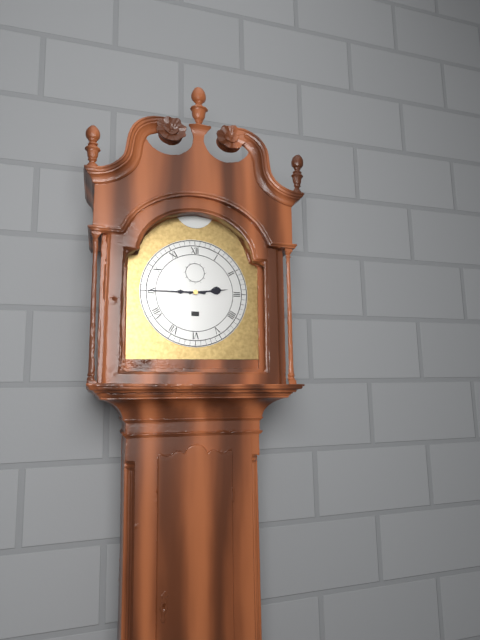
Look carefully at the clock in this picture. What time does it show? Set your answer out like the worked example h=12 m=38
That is h=2 m=45
